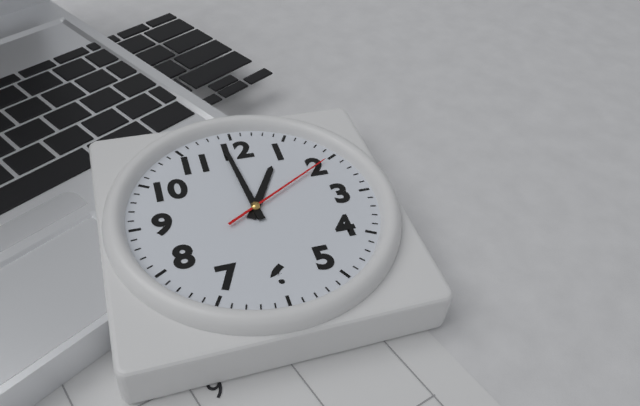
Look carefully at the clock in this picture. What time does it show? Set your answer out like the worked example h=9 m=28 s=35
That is h=12 m=59 s=10
